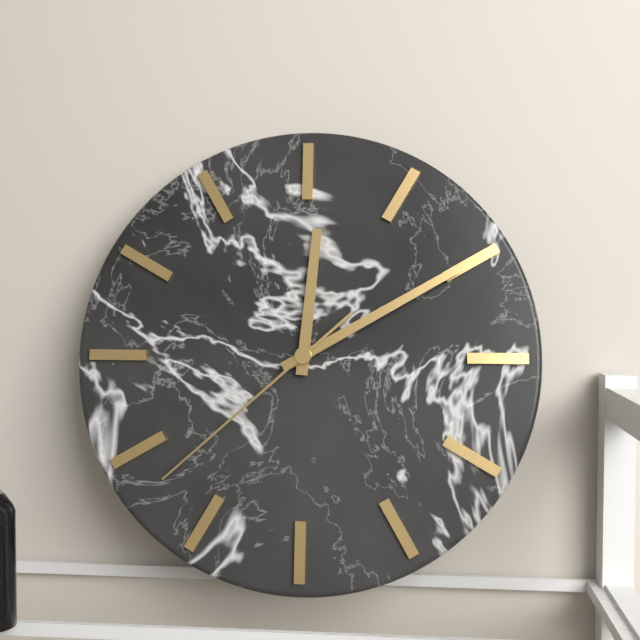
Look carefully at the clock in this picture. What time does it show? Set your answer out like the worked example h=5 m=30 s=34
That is h=12 m=10 s=38
